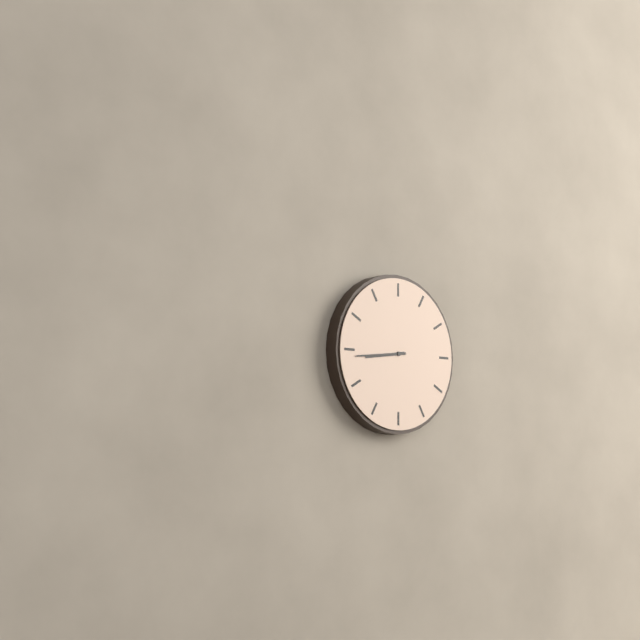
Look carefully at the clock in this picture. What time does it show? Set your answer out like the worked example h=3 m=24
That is h=8 m=44
